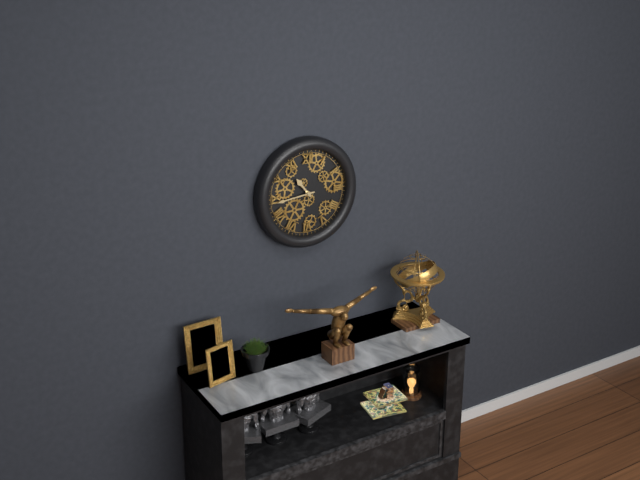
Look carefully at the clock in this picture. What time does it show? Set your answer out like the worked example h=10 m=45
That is h=10 m=44
